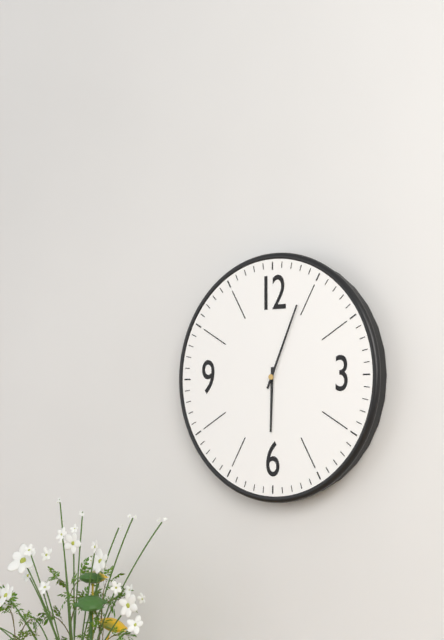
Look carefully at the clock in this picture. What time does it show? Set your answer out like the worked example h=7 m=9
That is h=6 m=4
